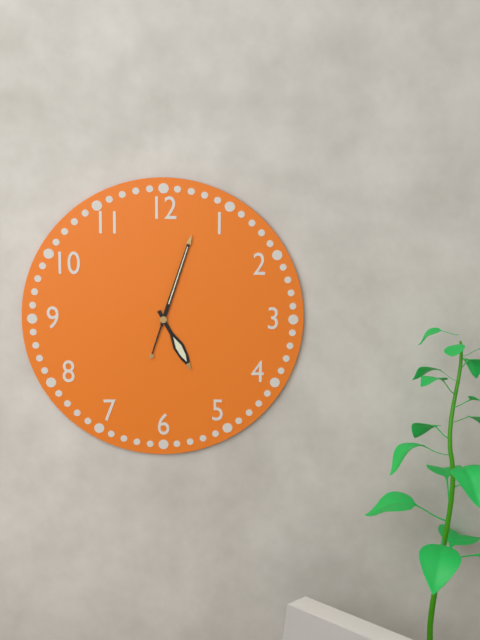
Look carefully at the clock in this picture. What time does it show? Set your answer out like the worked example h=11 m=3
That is h=5 m=3
